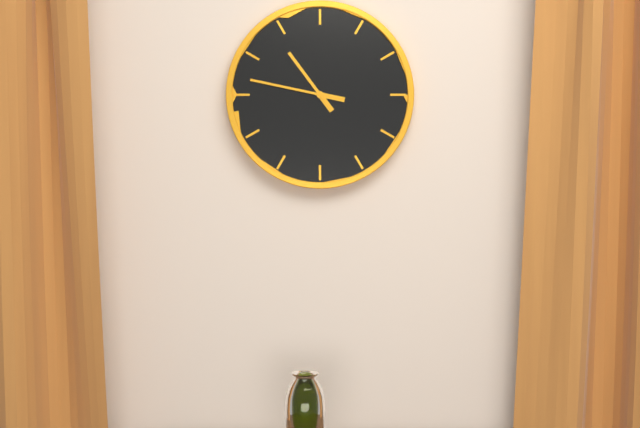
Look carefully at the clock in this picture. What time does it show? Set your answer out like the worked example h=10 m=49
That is h=10 m=47
